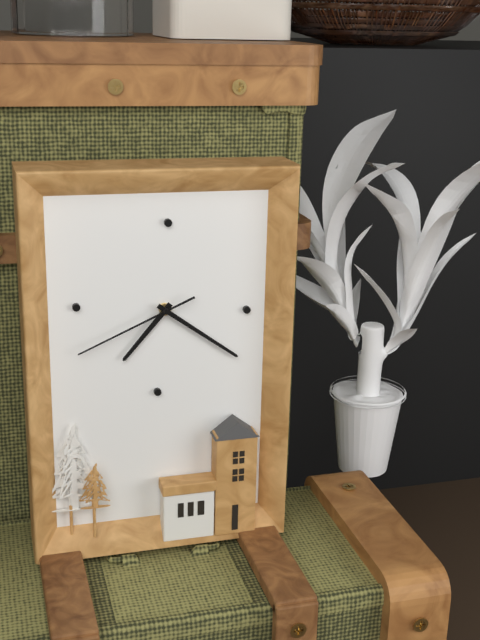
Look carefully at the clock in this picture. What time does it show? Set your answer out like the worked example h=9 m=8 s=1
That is h=7 m=21 s=41
